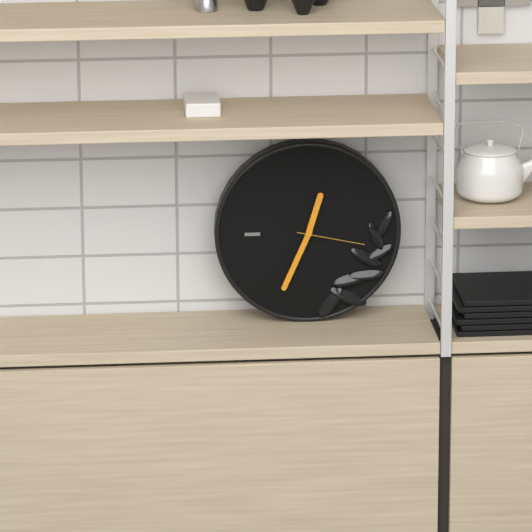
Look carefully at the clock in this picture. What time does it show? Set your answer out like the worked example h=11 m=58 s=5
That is h=12 m=34 s=17
